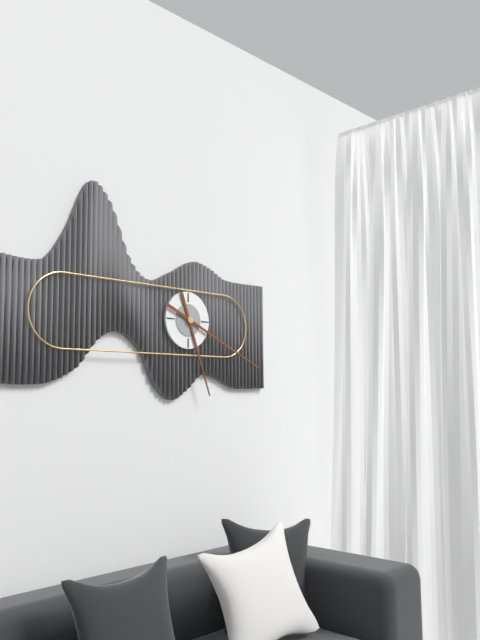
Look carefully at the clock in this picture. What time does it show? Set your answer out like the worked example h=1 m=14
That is h=5 m=19
